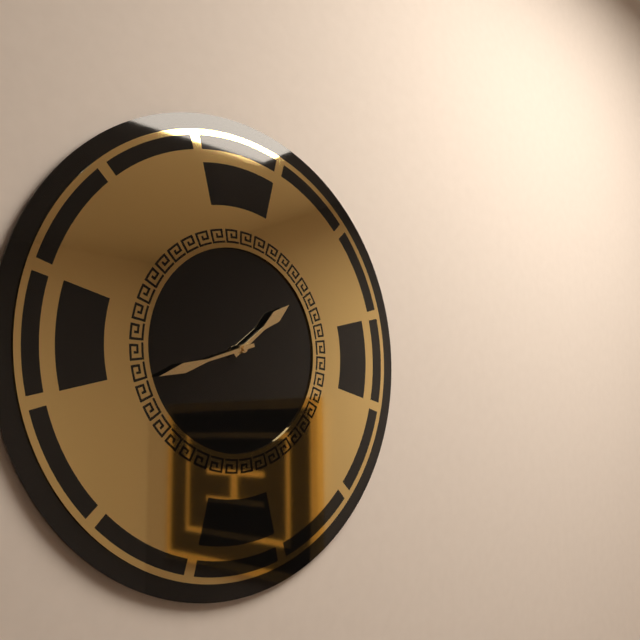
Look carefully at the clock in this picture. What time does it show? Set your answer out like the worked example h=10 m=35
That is h=1 m=42
